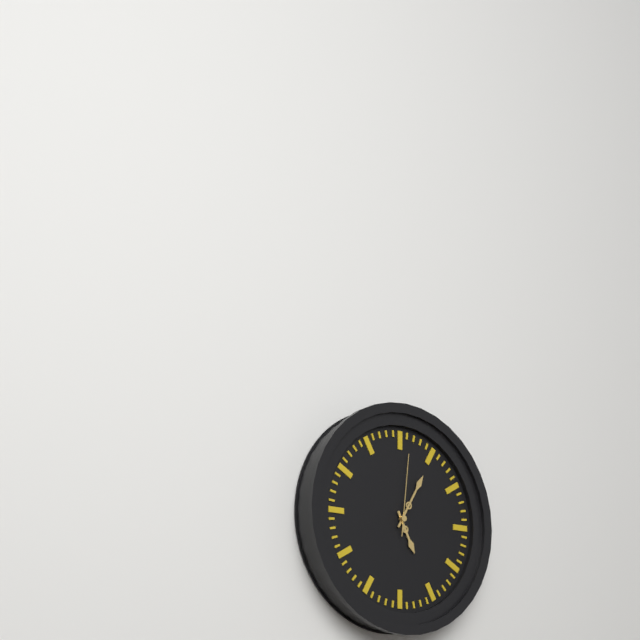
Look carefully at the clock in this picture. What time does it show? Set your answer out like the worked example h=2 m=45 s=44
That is h=5 m=5 s=1
